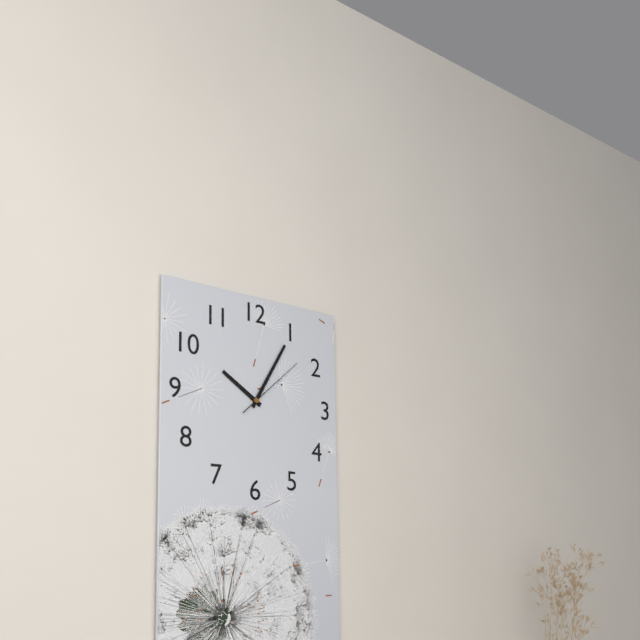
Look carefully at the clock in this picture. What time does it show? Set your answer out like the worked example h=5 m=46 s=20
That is h=10 m=5 s=8
